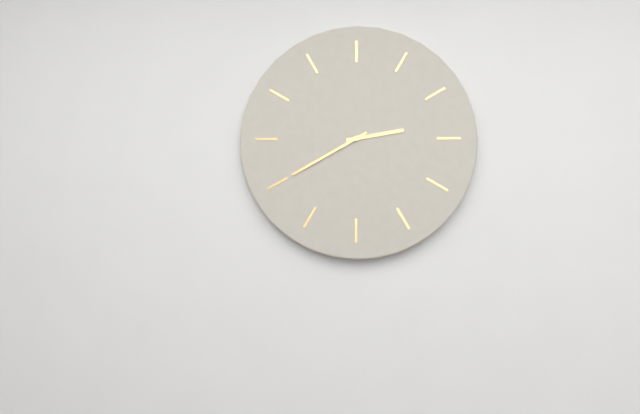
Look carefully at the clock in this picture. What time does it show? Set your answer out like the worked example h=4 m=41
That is h=2 m=40
